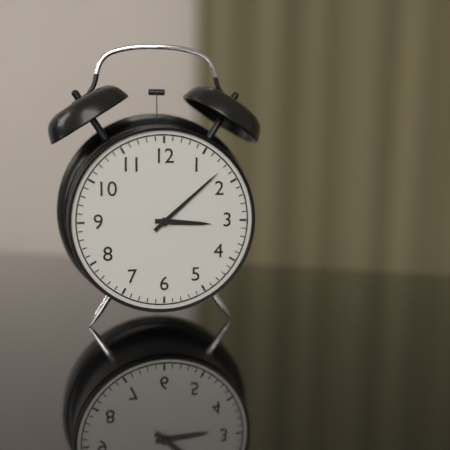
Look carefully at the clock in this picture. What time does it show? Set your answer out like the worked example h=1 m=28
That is h=3 m=8
